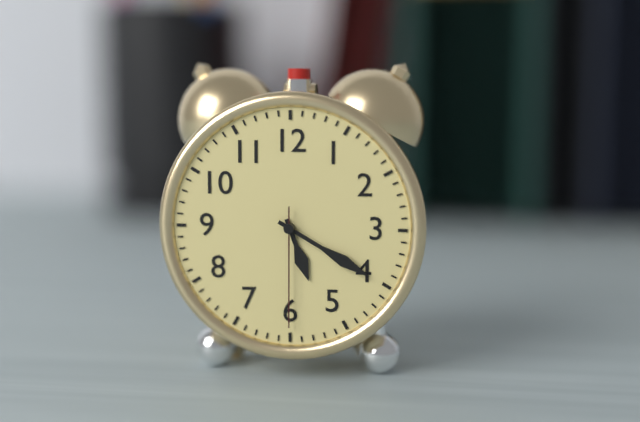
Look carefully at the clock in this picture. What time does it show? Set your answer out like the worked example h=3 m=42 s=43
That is h=5 m=20 s=30
